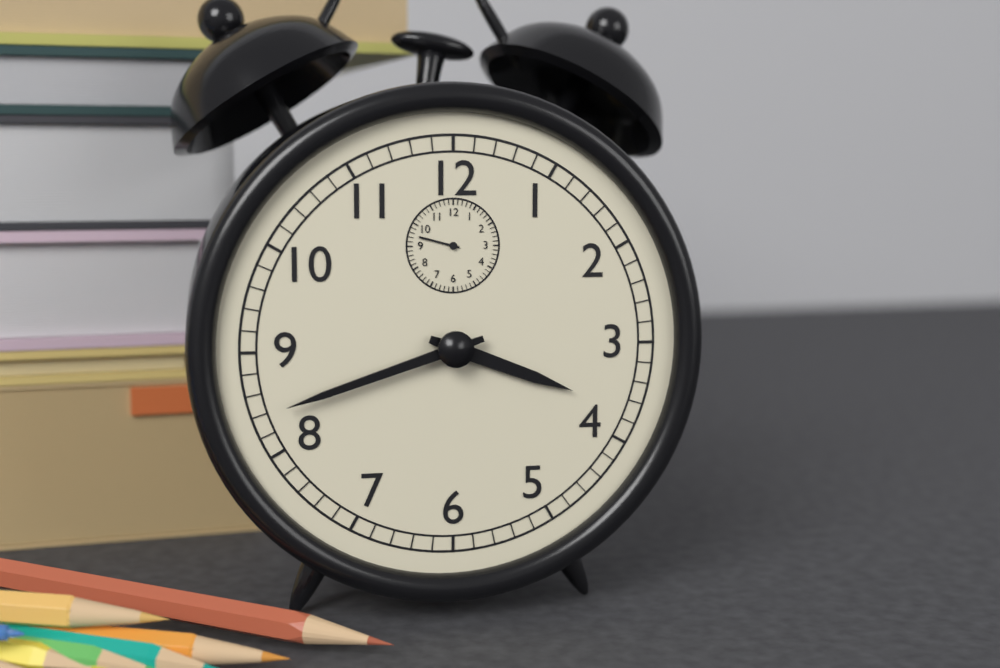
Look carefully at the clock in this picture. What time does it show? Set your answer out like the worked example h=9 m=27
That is h=3 m=42
